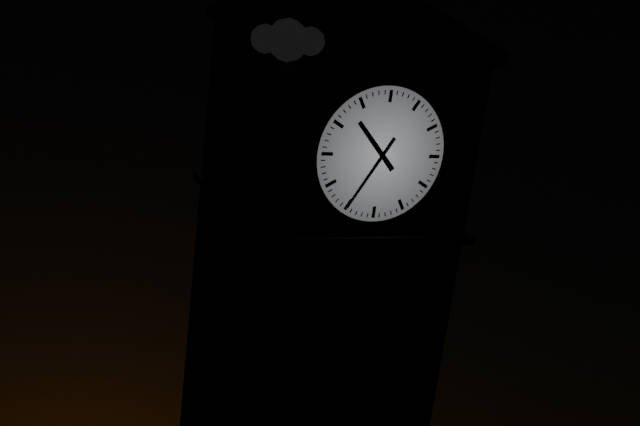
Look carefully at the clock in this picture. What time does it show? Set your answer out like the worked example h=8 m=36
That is h=10 m=35
